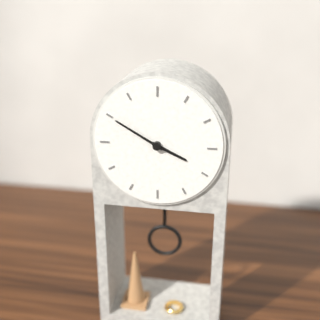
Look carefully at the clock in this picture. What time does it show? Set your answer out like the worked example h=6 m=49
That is h=3 m=50
